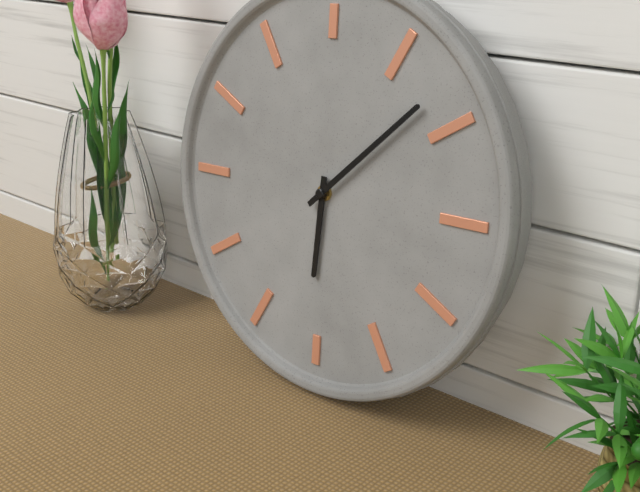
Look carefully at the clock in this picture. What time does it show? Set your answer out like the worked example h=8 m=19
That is h=6 m=8
